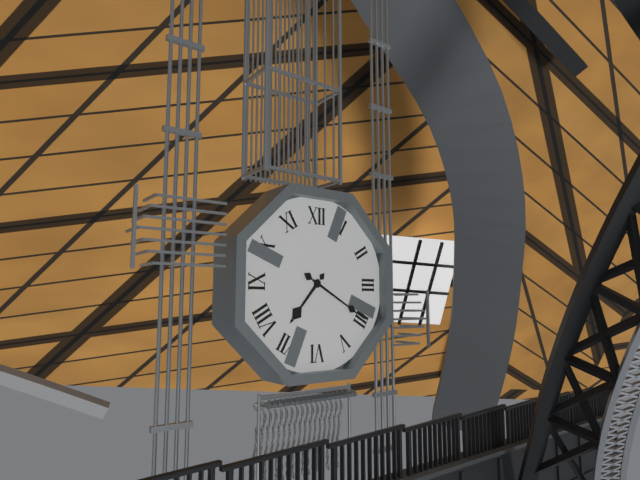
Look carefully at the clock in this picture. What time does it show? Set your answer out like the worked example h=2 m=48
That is h=7 m=20
